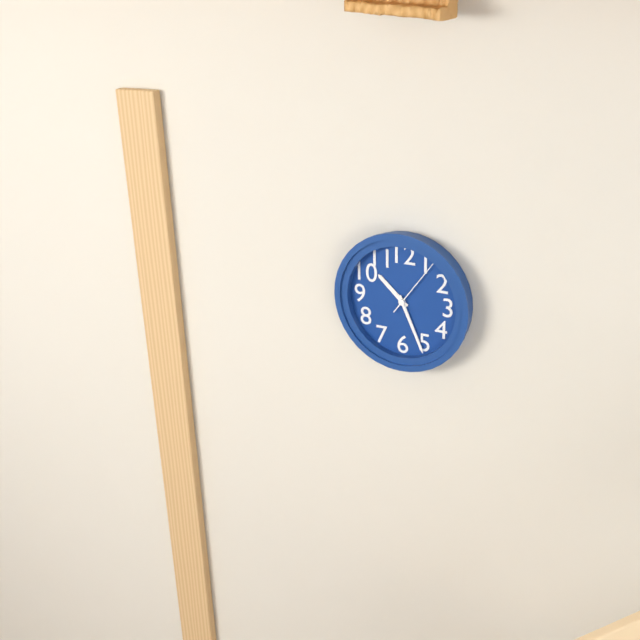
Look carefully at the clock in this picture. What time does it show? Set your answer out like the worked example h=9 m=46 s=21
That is h=10 m=26 s=6
